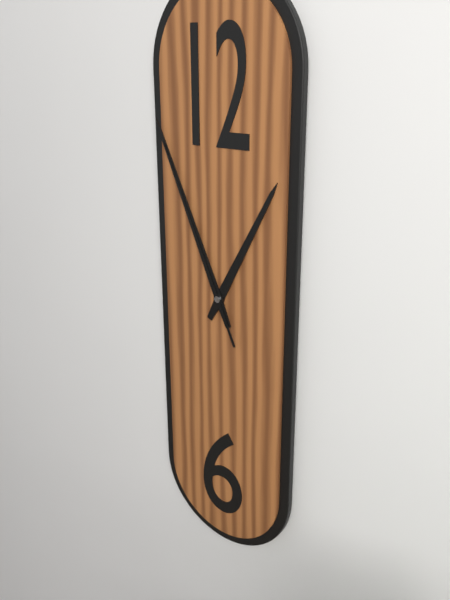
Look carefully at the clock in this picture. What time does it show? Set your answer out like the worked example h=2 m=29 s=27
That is h=12 m=56 s=56
